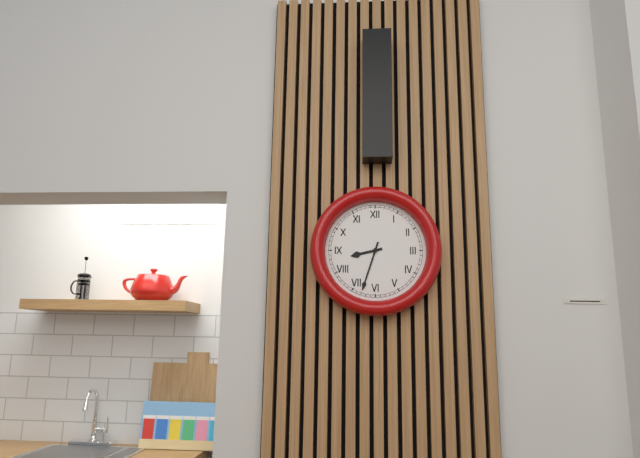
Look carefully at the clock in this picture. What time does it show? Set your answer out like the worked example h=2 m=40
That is h=8 m=33
